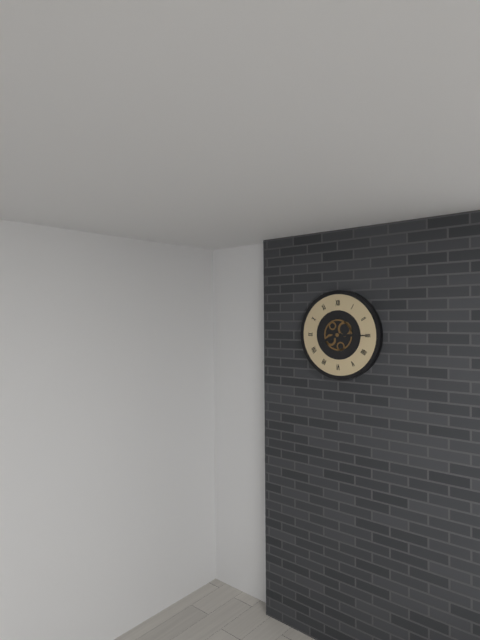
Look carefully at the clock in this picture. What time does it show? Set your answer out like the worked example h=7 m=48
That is h=8 m=15
